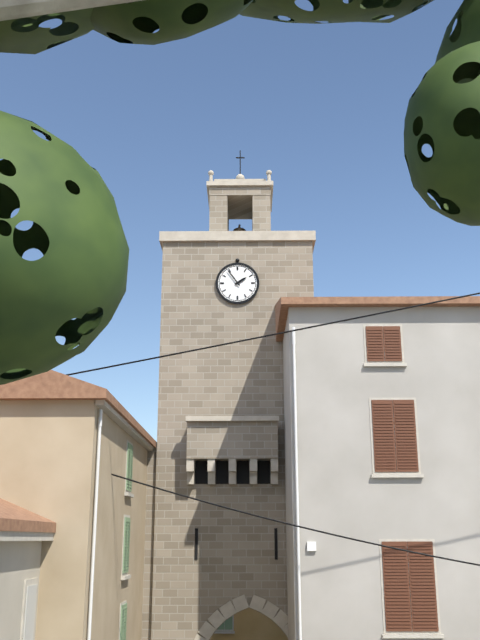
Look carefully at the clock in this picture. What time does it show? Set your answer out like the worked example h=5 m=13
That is h=1 m=54
